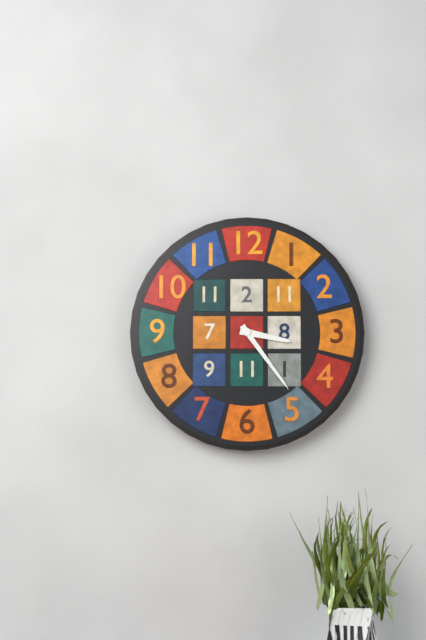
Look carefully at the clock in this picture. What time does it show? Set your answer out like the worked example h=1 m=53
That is h=3 m=24
